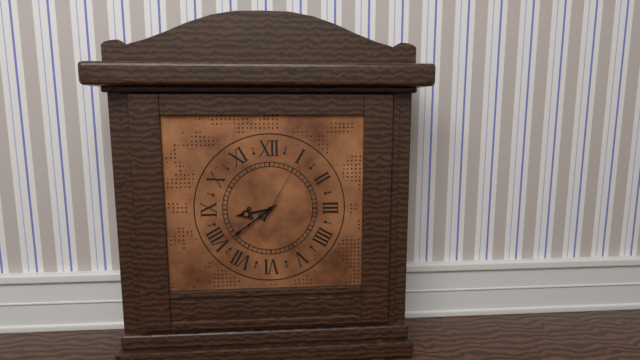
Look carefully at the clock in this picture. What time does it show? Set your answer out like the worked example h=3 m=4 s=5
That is h=8 m=39 s=5
